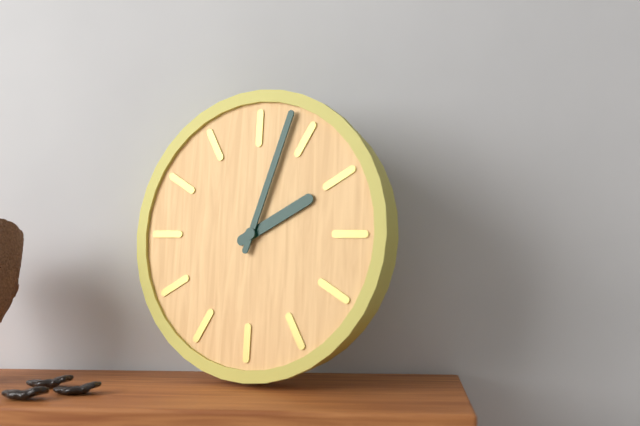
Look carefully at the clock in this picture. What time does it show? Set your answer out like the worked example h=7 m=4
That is h=2 m=3
